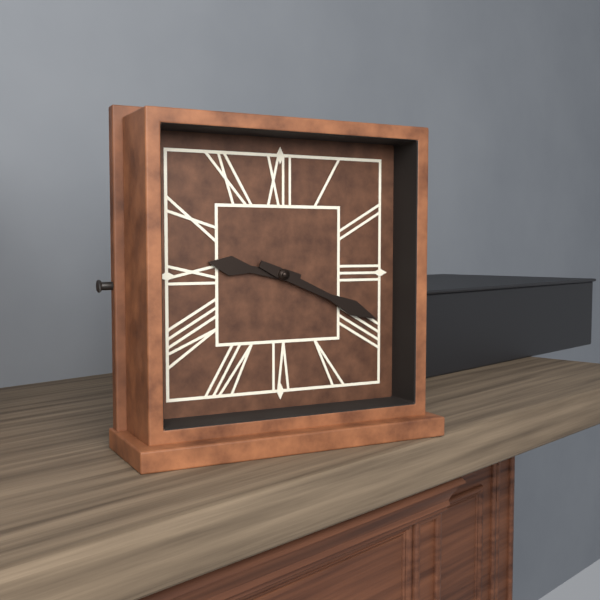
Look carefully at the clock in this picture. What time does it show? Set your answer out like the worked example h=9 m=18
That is h=9 m=19
